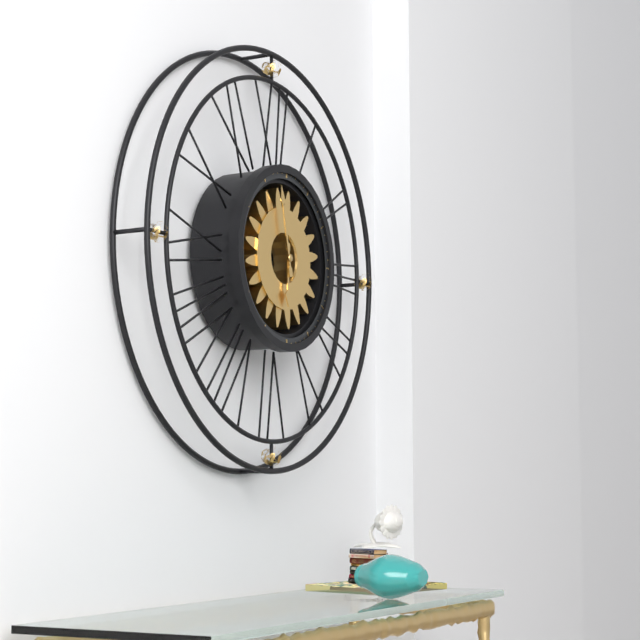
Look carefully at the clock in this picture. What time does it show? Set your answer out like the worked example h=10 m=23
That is h=5 m=58
